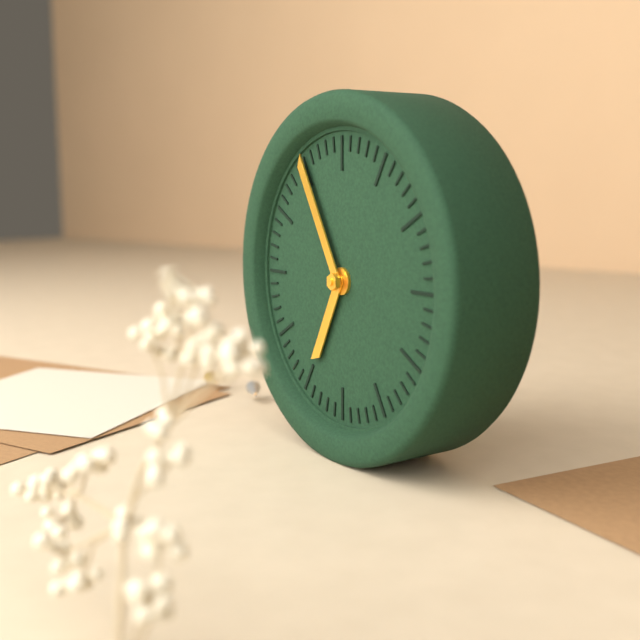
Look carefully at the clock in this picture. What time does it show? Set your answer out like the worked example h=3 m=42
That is h=6 m=55
